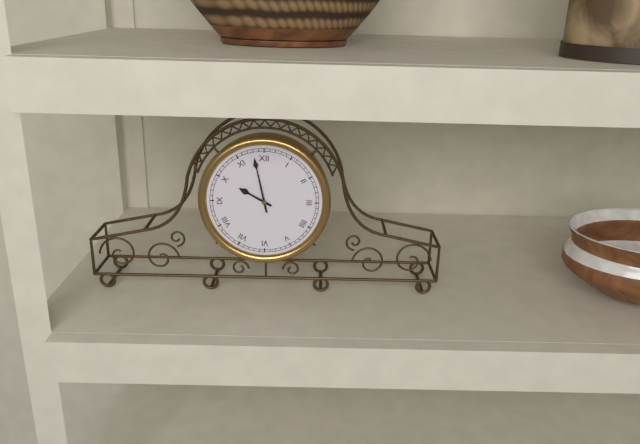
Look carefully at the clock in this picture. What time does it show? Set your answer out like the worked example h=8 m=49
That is h=9 m=58
